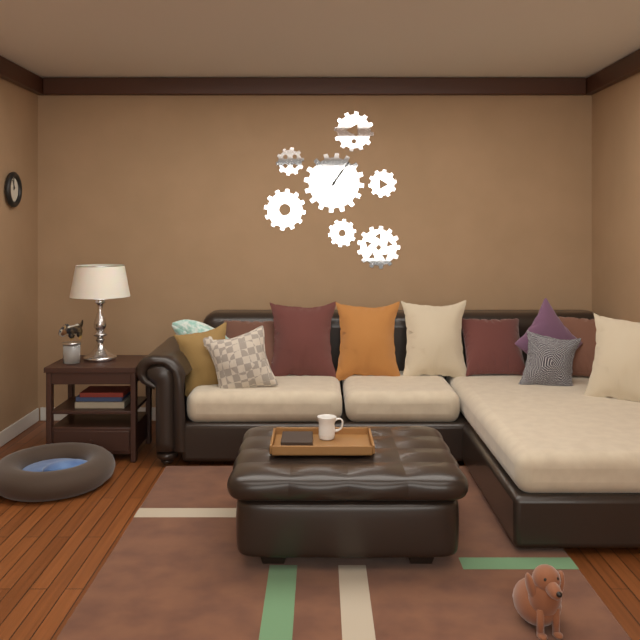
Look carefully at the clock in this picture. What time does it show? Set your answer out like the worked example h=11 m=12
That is h=1 m=6
